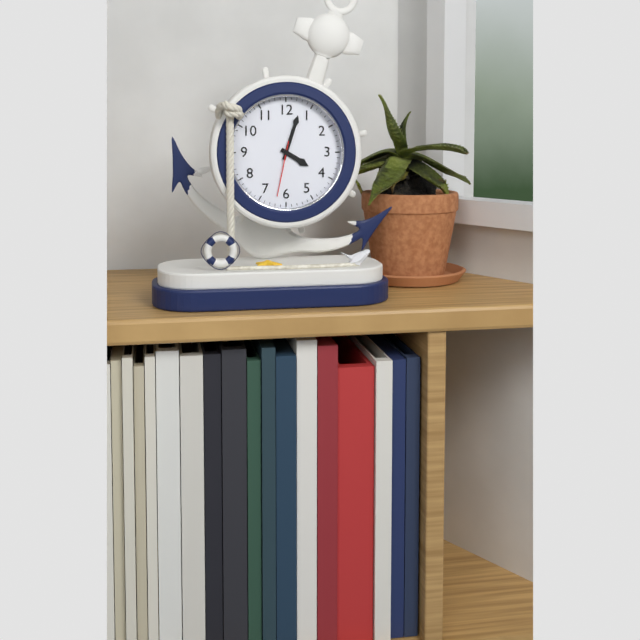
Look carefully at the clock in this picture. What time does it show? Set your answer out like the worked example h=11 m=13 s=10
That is h=4 m=3 s=32
